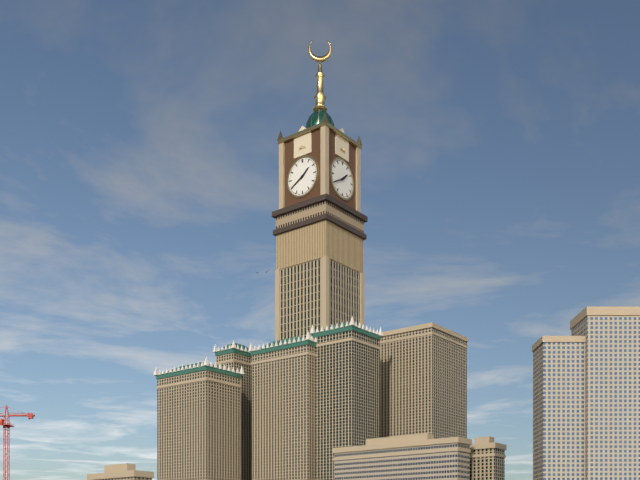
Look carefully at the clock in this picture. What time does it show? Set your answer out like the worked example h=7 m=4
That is h=1 m=40
